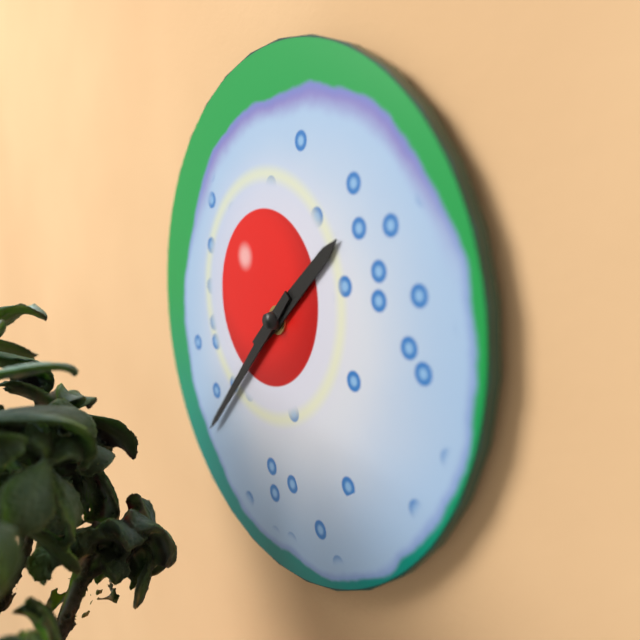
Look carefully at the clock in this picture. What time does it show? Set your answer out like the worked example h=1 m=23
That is h=1 m=37
